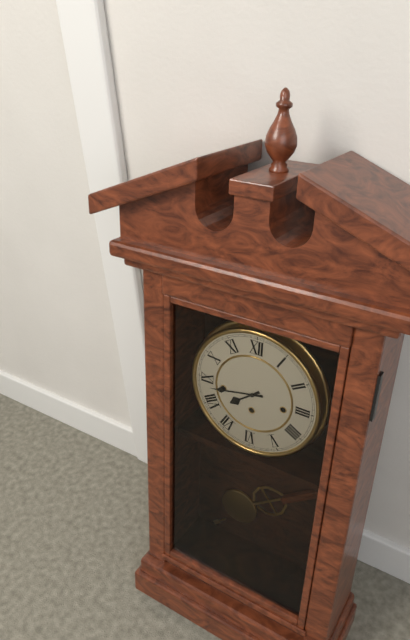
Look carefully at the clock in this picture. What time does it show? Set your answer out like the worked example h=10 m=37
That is h=7 m=43
